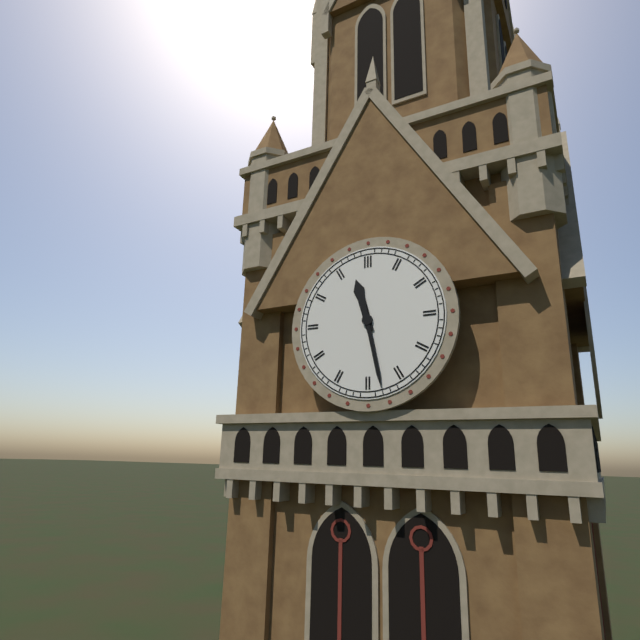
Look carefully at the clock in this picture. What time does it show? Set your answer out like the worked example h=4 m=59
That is h=11 m=28
